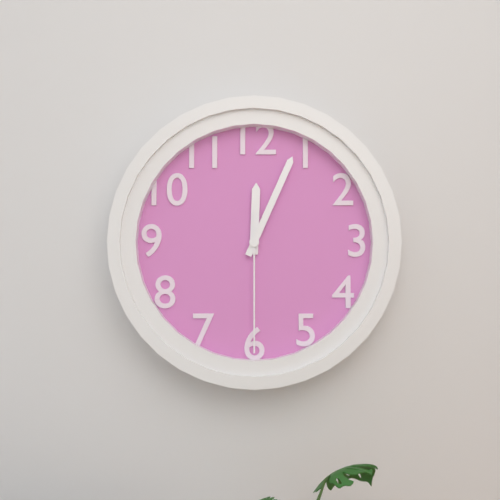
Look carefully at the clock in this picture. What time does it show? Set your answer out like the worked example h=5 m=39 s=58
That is h=12 m=4 s=30
